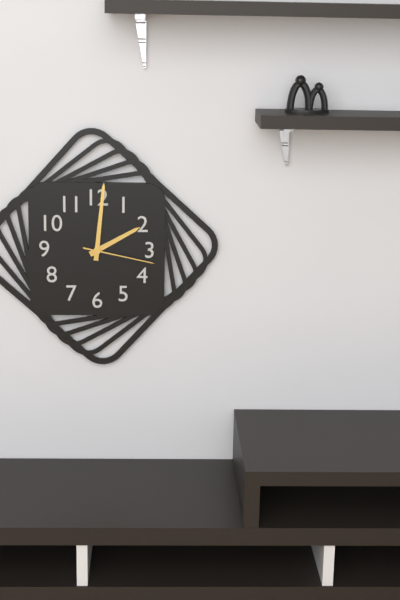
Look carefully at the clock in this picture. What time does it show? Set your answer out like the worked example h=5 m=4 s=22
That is h=2 m=1 s=17
